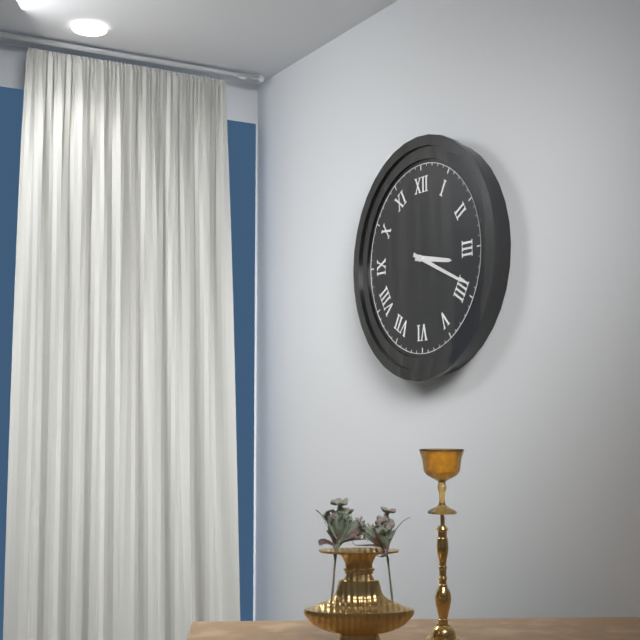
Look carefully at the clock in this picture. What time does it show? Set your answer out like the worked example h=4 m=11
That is h=3 m=19
